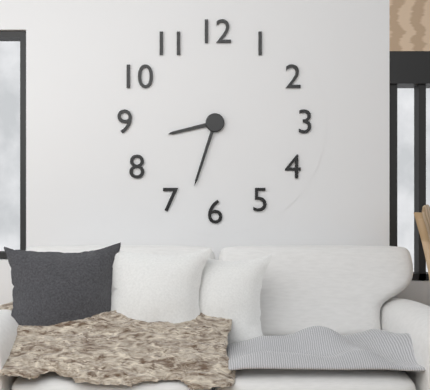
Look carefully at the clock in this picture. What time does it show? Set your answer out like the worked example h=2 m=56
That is h=8 m=33
